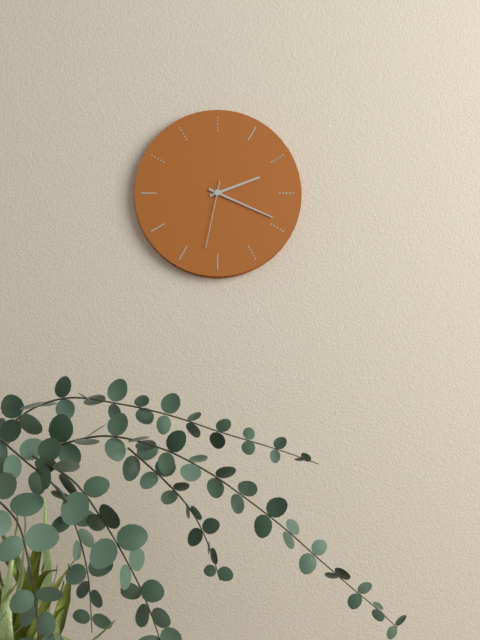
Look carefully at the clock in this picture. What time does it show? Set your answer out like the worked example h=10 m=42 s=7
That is h=2 m=19 s=32
